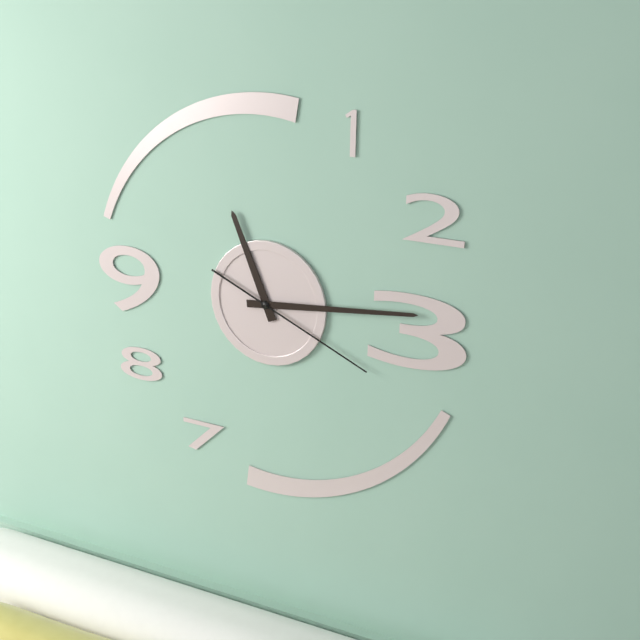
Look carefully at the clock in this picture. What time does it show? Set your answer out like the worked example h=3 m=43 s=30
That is h=11 m=14 s=19
